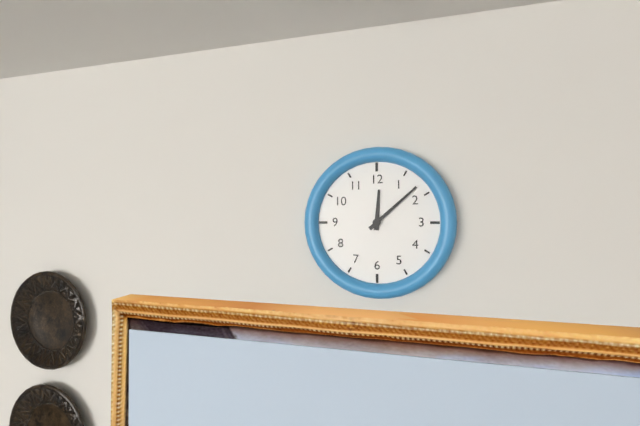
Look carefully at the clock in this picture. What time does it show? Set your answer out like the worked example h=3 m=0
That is h=12 m=8
